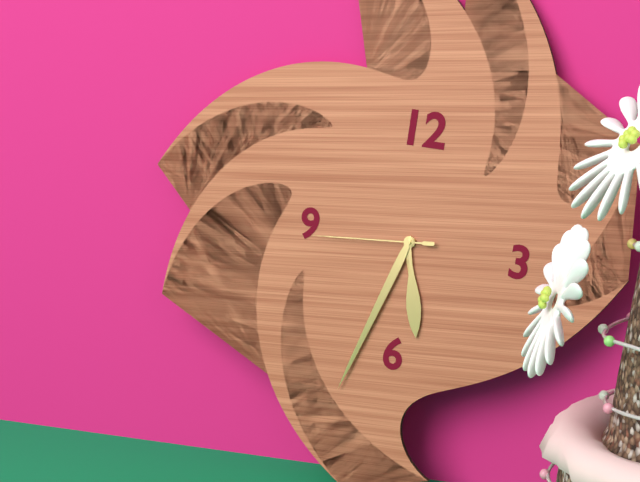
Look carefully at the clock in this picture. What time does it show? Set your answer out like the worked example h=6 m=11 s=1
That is h=5 m=33 s=44
